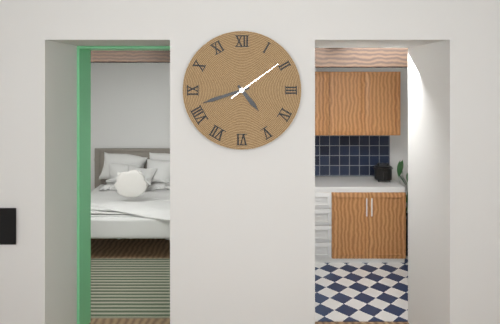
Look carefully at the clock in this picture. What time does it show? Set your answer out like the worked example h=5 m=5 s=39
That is h=4 m=42 s=9
